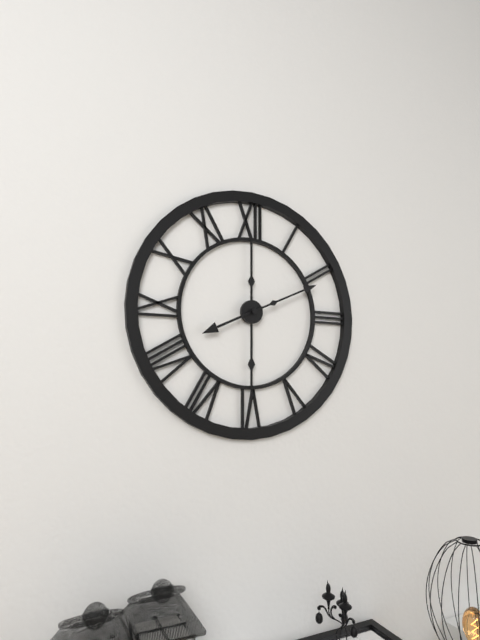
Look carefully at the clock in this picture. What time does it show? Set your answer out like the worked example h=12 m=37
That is h=8 m=11
